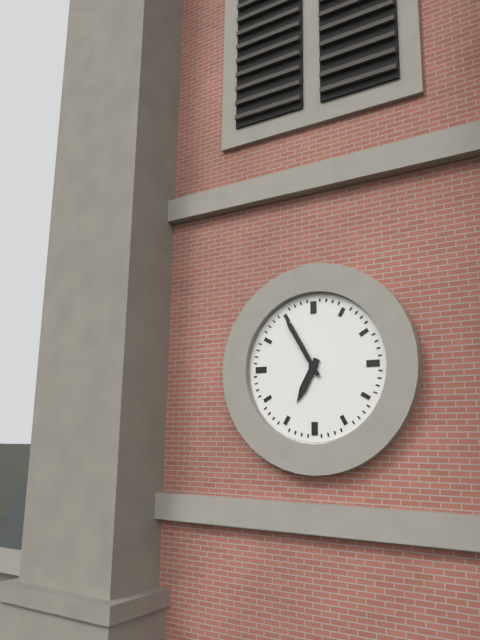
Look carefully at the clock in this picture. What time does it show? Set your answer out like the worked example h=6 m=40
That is h=6 m=55
